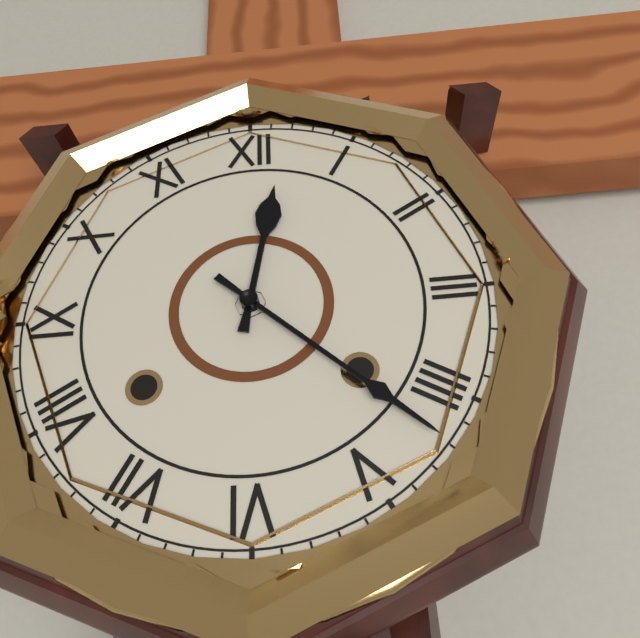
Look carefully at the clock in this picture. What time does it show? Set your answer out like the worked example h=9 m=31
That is h=12 m=22
